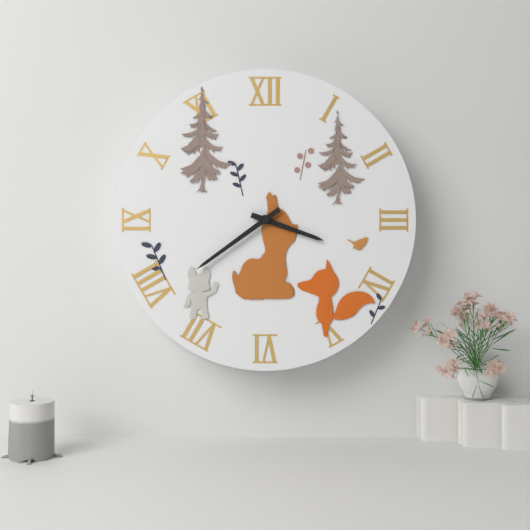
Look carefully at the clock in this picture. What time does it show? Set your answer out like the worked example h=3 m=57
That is h=3 m=39
